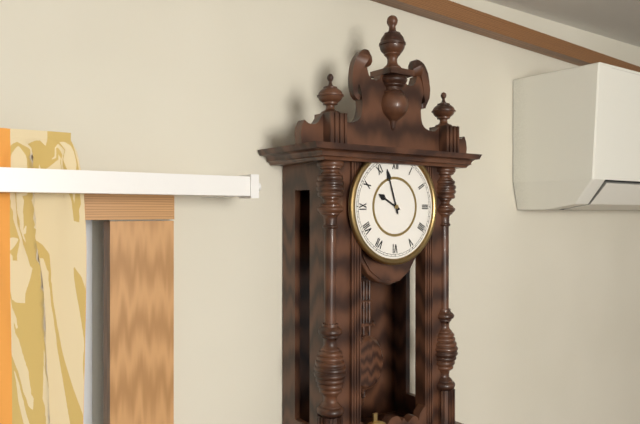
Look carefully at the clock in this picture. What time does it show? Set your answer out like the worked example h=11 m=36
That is h=9 m=57
